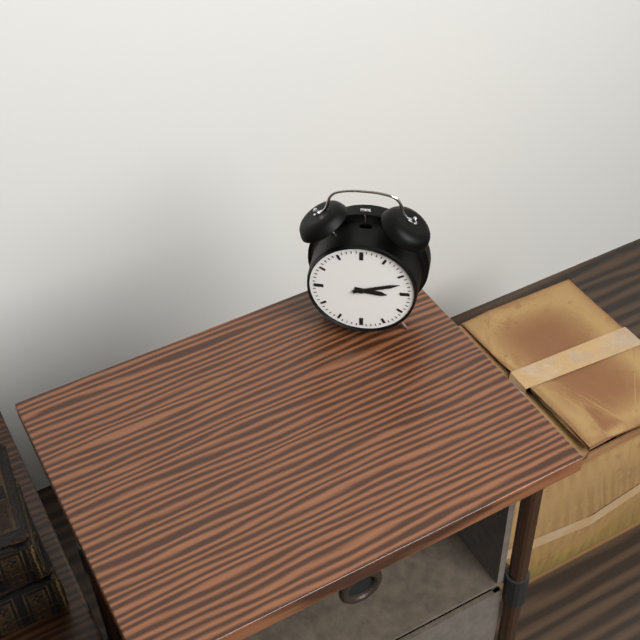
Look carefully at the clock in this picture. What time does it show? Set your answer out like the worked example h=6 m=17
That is h=3 m=12
